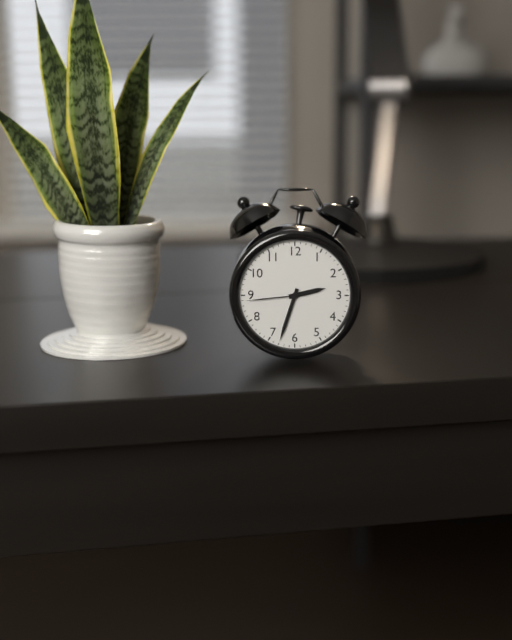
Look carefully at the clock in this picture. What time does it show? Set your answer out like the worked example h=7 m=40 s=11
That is h=2 m=33 s=44
